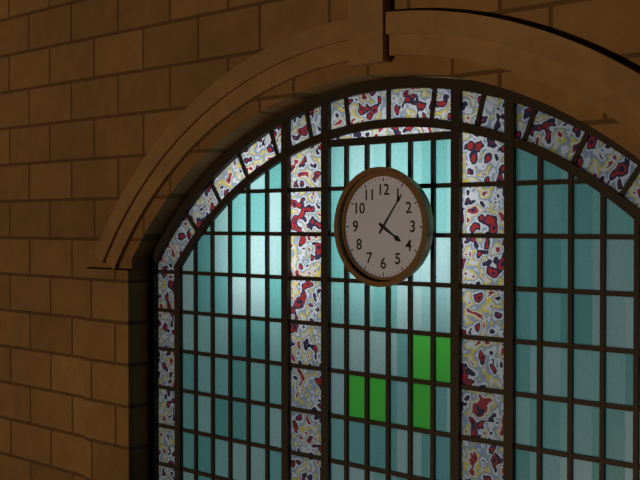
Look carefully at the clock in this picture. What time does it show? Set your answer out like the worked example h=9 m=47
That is h=4 m=6
